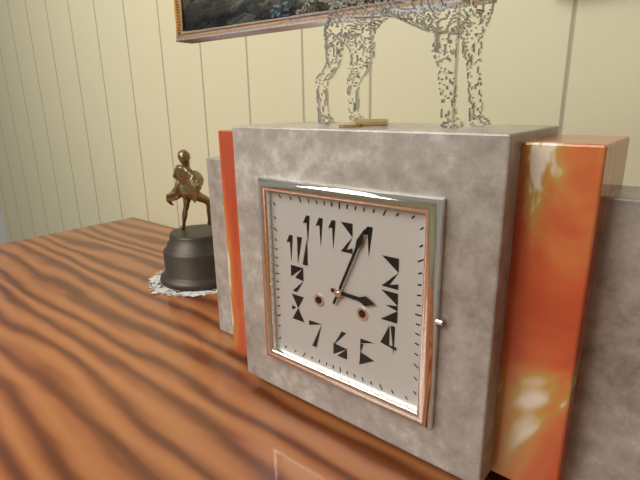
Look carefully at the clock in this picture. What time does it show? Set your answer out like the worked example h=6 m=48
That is h=3 m=4
